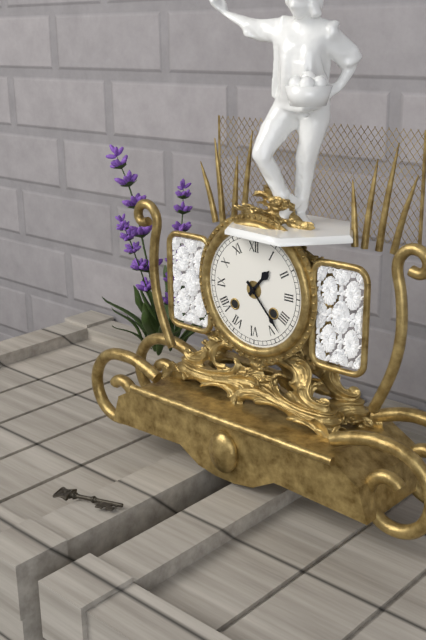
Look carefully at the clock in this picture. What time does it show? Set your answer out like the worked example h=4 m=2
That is h=1 m=23
